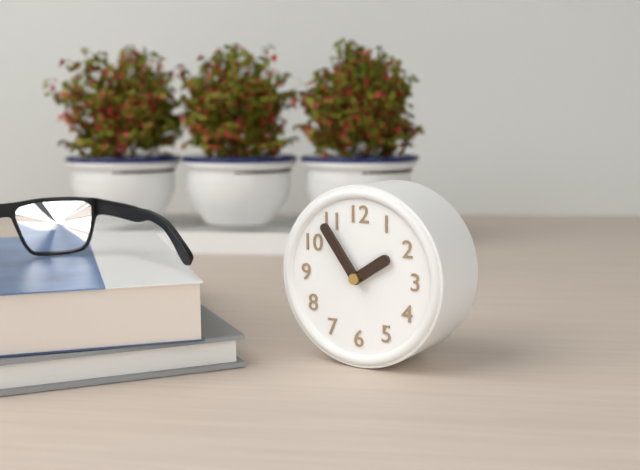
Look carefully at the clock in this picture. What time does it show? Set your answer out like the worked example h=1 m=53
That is h=1 m=54
